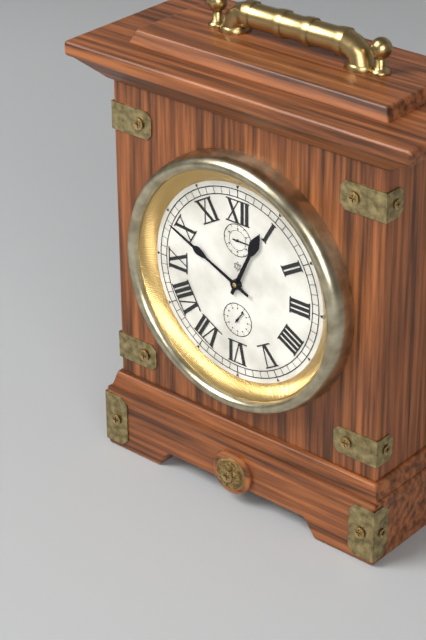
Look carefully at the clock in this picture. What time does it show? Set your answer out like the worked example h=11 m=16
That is h=12 m=49
